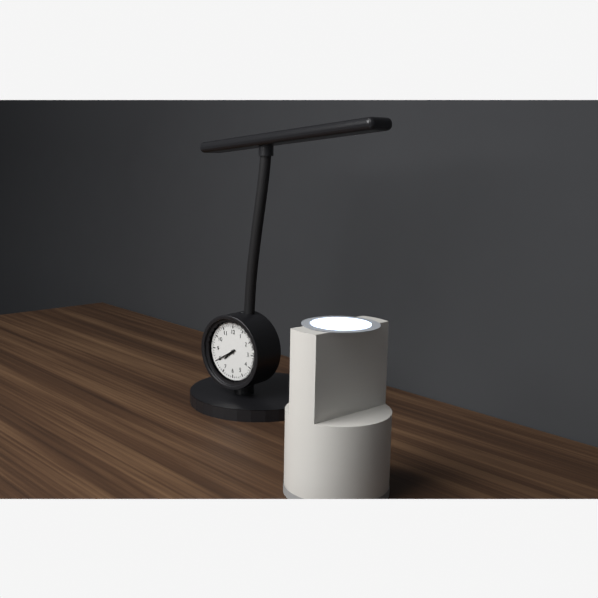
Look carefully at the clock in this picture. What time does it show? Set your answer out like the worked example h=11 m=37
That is h=7 m=40
